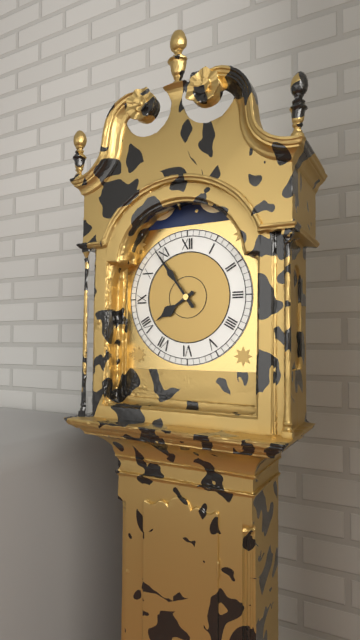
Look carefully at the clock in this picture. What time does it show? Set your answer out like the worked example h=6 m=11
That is h=7 m=54
